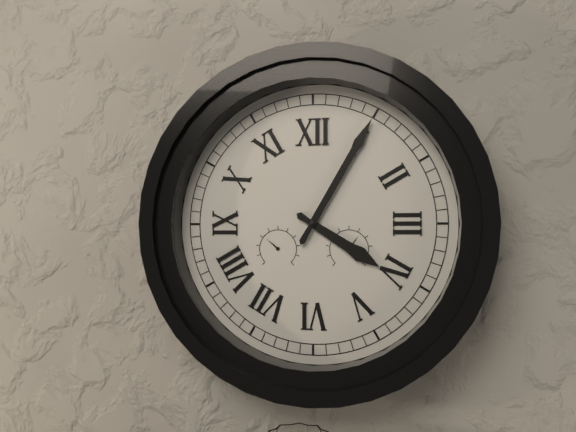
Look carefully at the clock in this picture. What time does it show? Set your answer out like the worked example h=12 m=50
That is h=4 m=5
